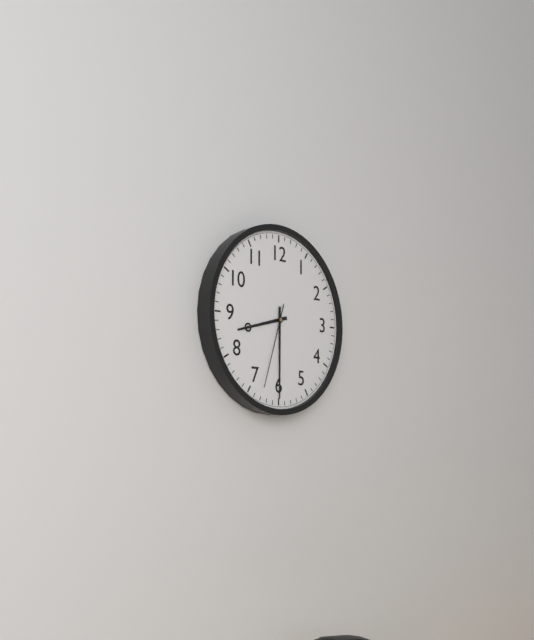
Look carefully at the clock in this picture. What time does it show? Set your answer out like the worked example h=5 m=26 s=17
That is h=8 m=30 s=33
